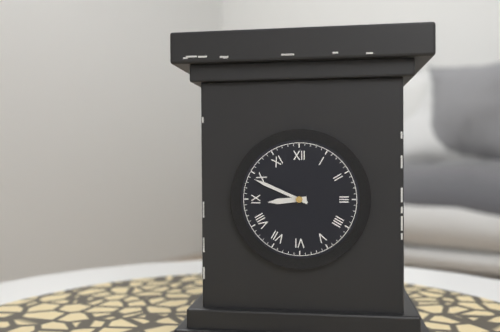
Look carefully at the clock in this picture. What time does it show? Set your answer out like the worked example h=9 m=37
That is h=8 m=49
